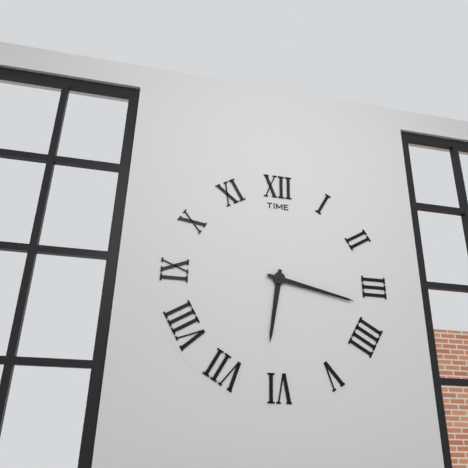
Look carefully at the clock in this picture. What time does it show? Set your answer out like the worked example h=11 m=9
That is h=6 m=17
